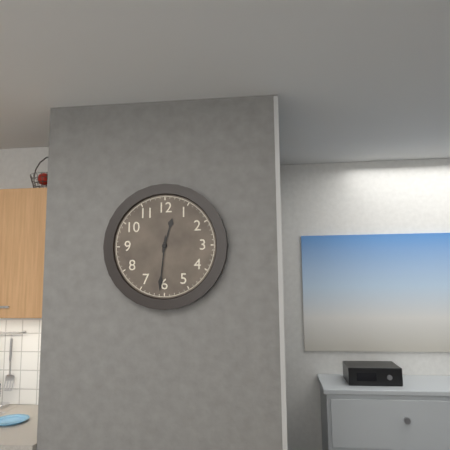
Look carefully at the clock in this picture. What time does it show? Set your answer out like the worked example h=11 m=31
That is h=12 m=31
